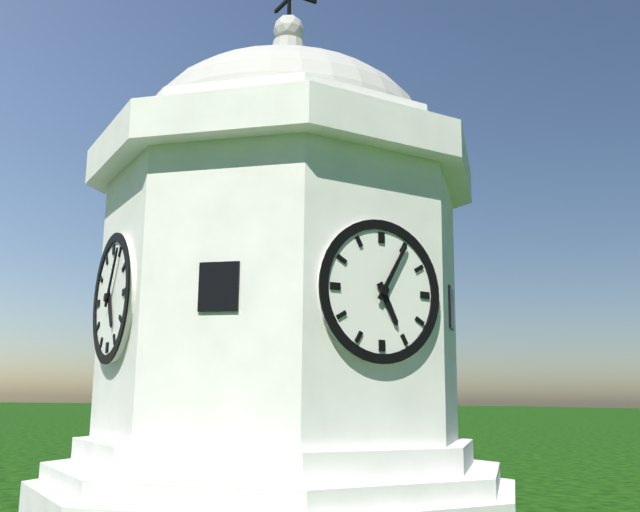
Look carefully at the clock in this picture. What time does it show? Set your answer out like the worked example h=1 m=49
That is h=5 m=5
